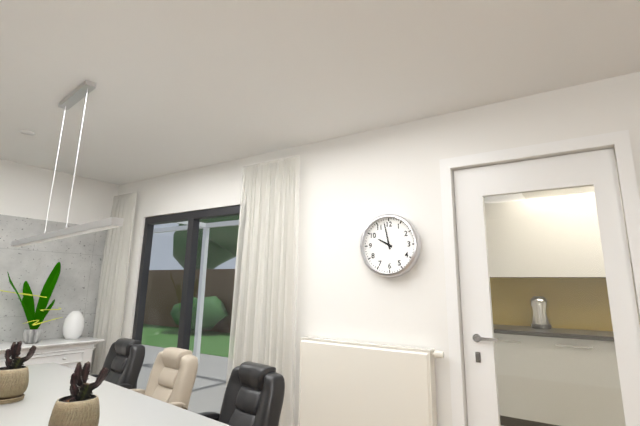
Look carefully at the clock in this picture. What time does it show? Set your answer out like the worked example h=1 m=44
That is h=9 m=58
